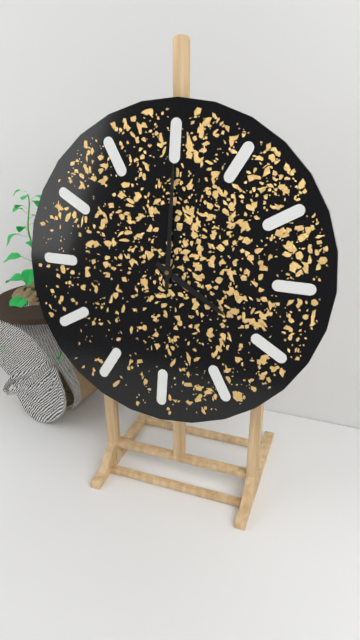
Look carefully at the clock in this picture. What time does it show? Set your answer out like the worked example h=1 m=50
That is h=4 m=0
